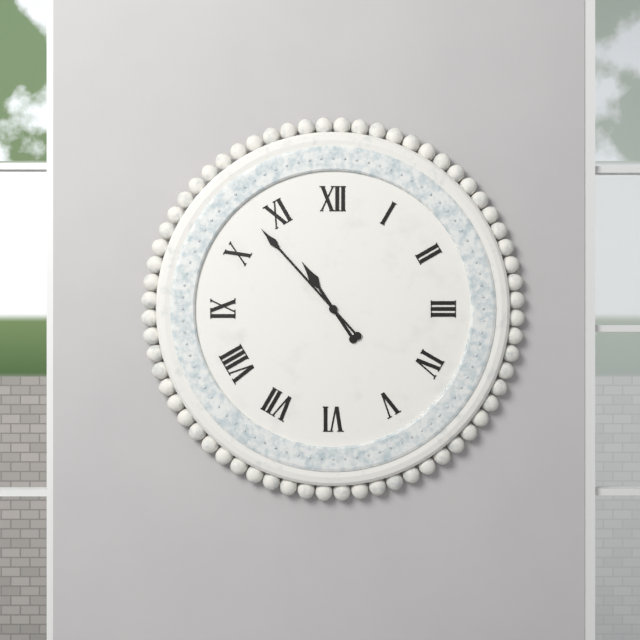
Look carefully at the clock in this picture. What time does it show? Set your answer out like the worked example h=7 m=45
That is h=10 m=53
